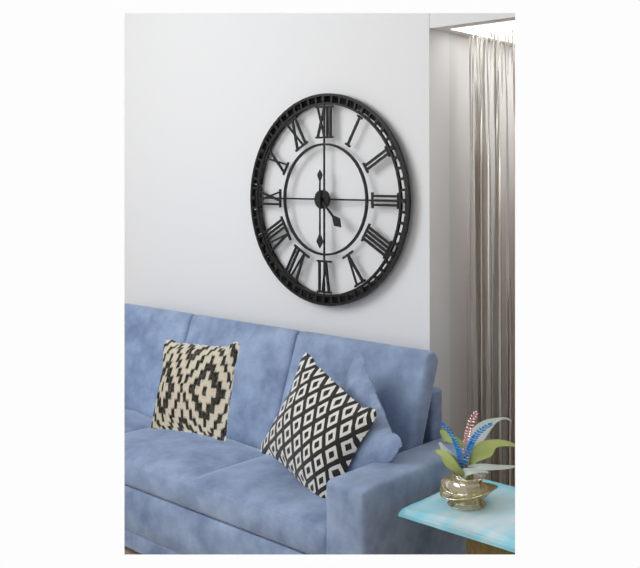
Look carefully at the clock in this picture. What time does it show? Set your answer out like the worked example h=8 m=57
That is h=4 m=30
